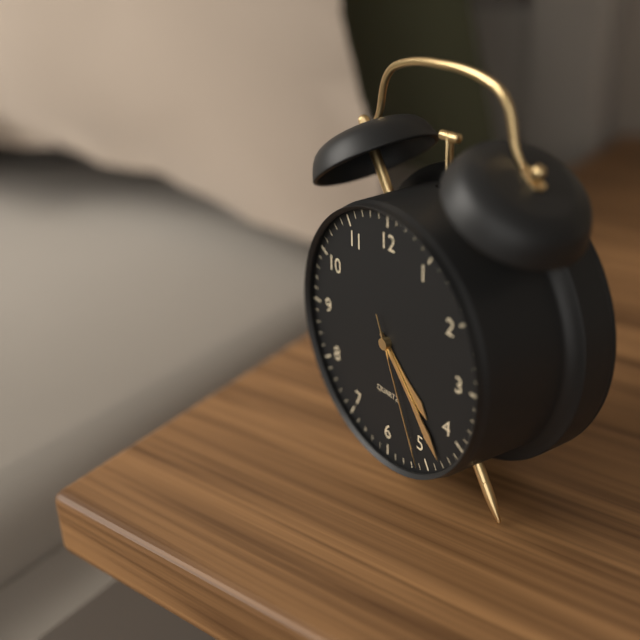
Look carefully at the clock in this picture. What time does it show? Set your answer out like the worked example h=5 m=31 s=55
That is h=4 m=23 s=26
